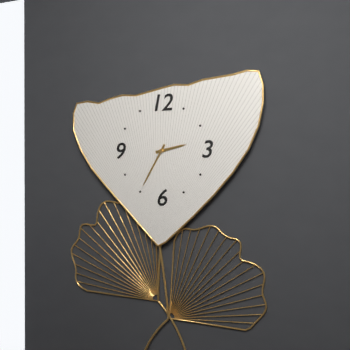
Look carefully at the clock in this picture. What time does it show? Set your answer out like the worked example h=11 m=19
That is h=2 m=35
